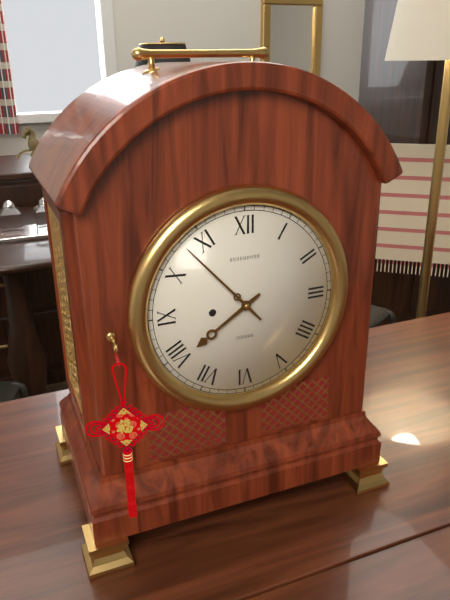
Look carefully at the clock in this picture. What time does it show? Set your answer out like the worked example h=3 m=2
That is h=7 m=53
